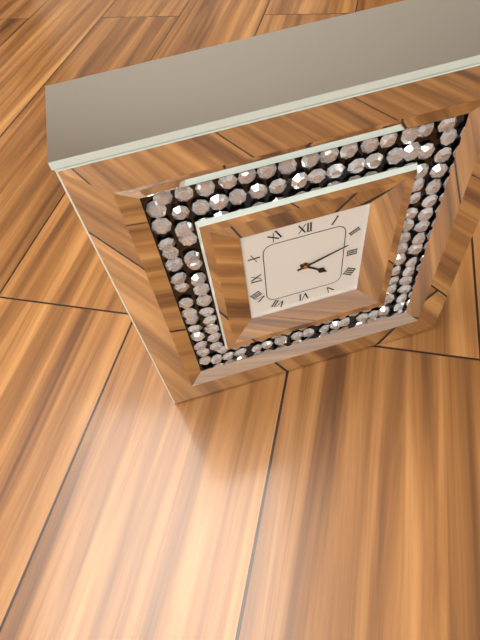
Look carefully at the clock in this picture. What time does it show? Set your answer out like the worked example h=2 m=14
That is h=4 m=12
